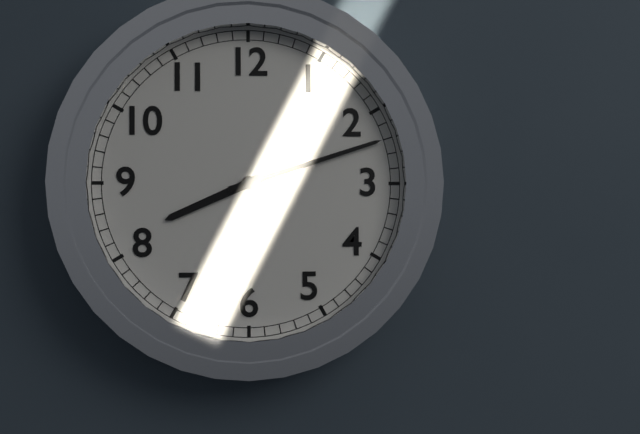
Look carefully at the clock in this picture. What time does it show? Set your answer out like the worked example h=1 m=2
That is h=8 m=12
